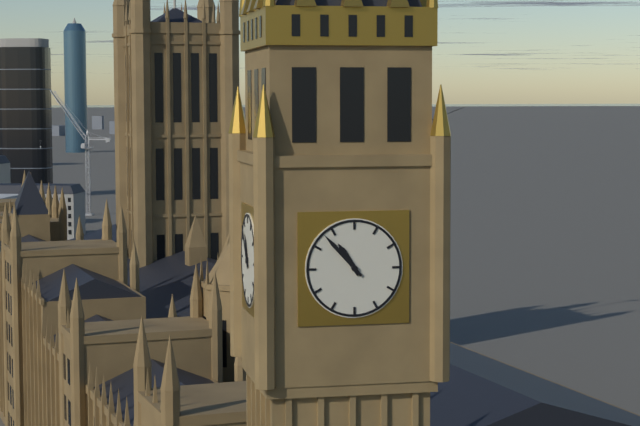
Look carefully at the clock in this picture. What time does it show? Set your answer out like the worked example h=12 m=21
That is h=10 m=53
